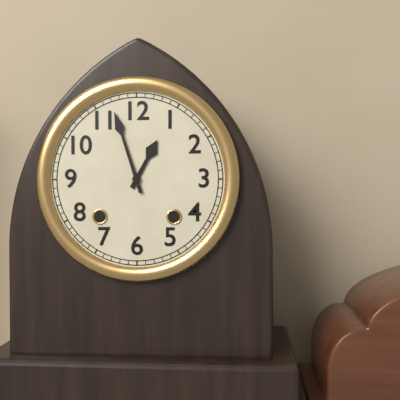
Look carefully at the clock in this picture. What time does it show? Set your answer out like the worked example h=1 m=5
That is h=12 m=57
